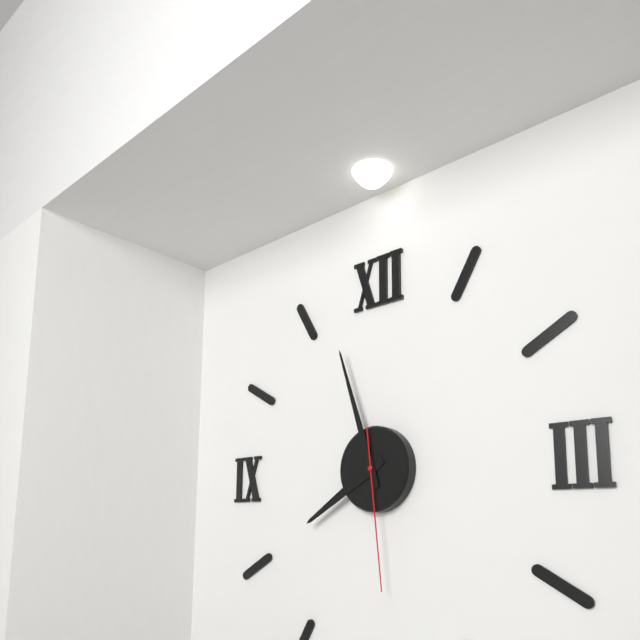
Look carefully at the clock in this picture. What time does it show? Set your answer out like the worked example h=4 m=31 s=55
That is h=7 m=57 s=29
